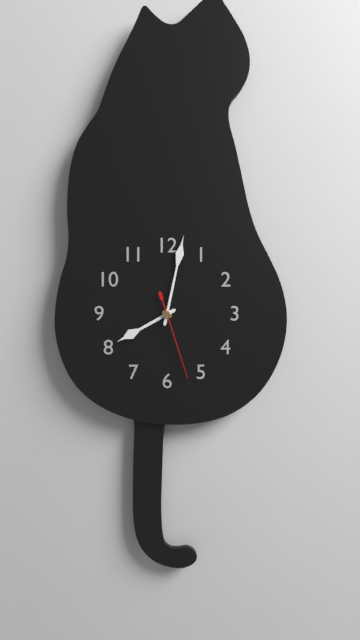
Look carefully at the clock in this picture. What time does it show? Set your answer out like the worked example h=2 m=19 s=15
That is h=8 m=2 s=27
